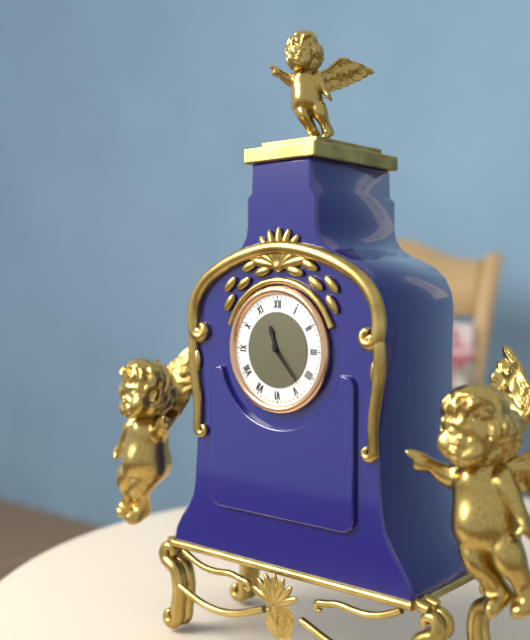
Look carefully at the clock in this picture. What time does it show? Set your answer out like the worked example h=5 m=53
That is h=11 m=23
